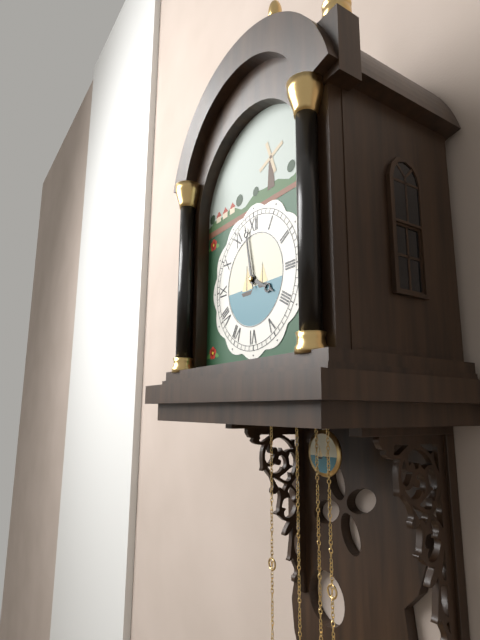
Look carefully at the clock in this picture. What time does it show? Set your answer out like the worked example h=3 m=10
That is h=3 m=58
